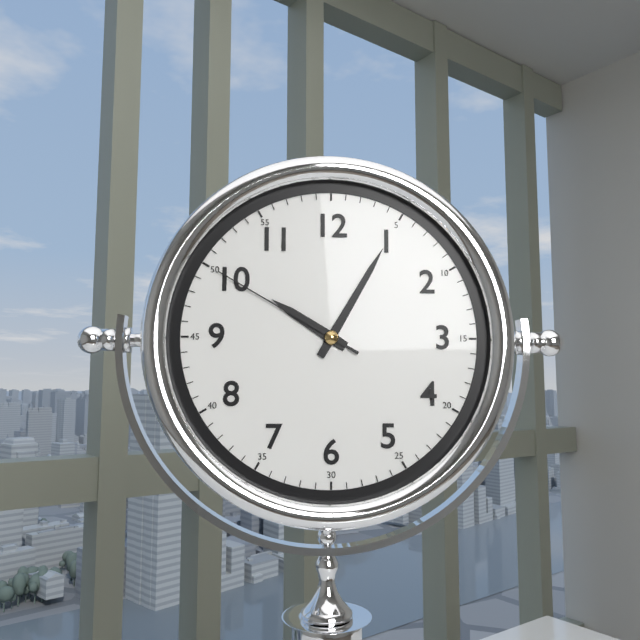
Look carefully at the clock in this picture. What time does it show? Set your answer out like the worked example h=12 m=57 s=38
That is h=10 m=5 s=50
